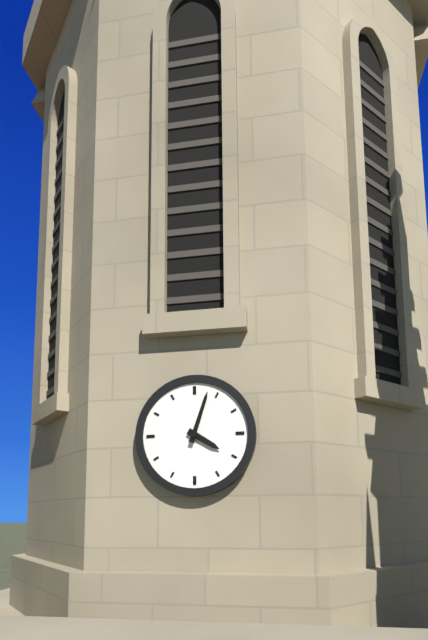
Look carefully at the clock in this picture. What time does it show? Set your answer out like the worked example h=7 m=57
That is h=4 m=3
